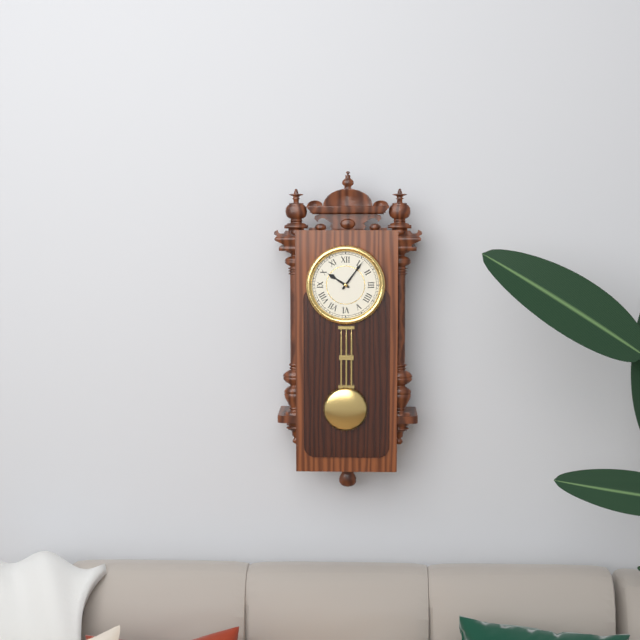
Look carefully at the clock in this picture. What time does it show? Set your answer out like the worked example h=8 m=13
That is h=10 m=6
